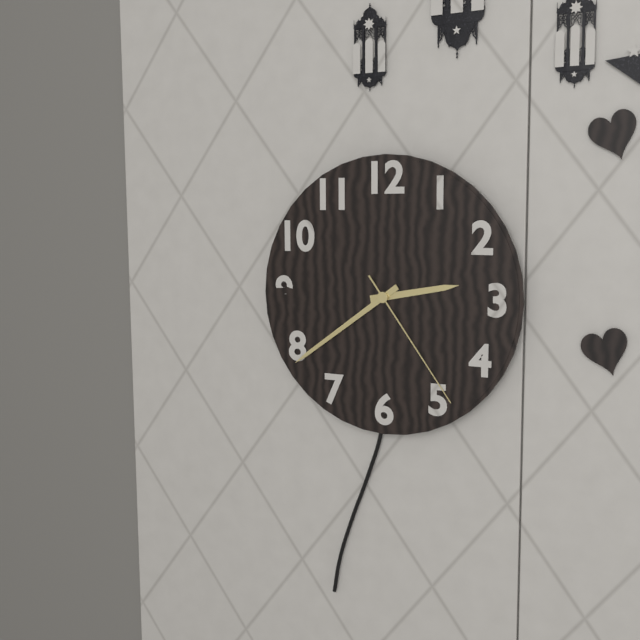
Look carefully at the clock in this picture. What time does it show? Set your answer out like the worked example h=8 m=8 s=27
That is h=2 m=39 s=24
